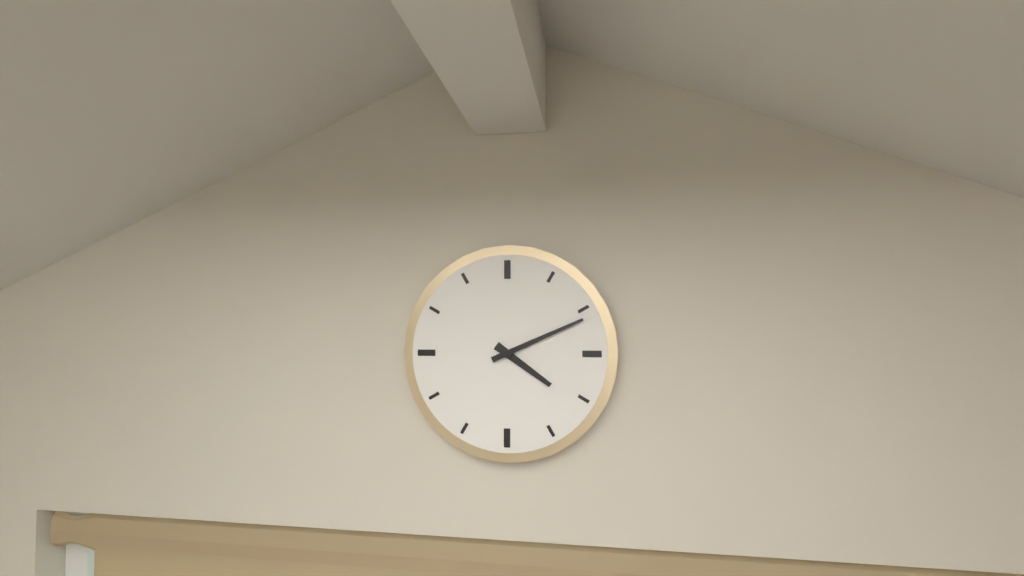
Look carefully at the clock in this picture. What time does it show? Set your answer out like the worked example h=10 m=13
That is h=4 m=11
